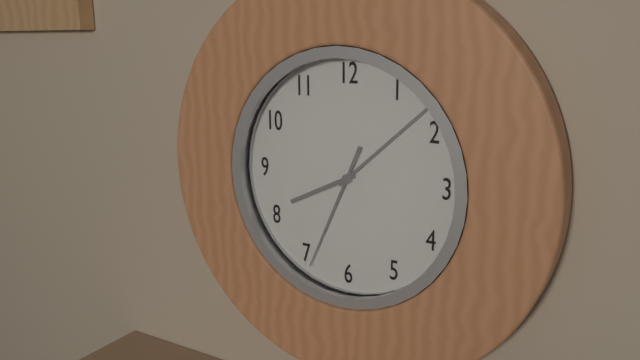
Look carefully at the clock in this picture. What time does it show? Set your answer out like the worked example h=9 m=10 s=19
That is h=8 m=8 s=34
